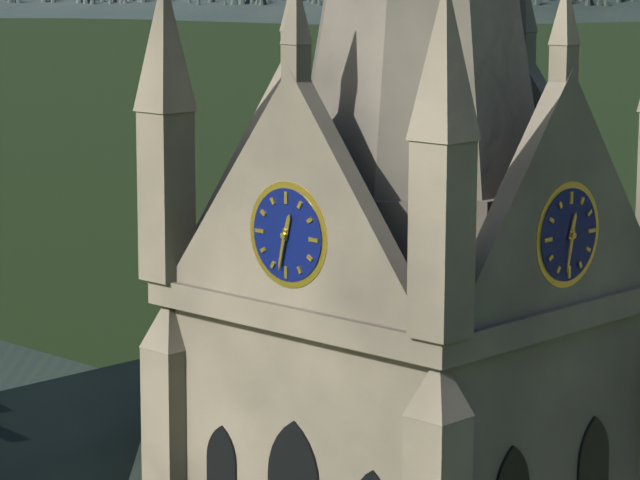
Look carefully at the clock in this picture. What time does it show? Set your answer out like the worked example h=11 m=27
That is h=12 m=32
